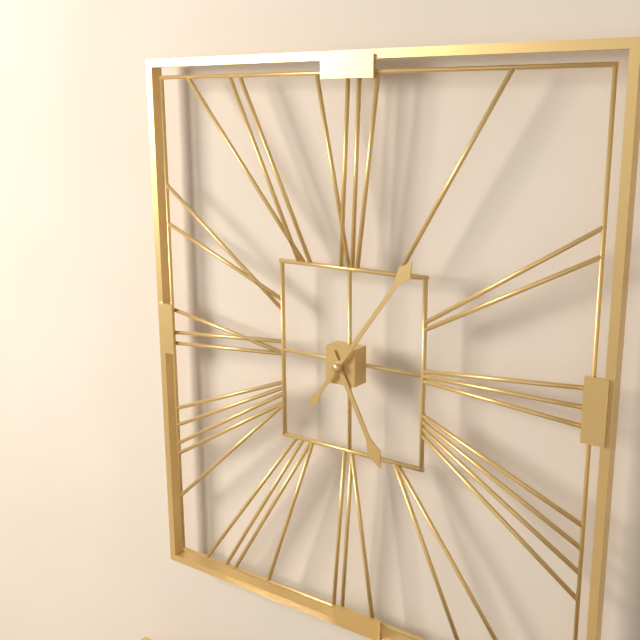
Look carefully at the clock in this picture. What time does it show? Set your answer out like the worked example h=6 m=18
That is h=5 m=6
